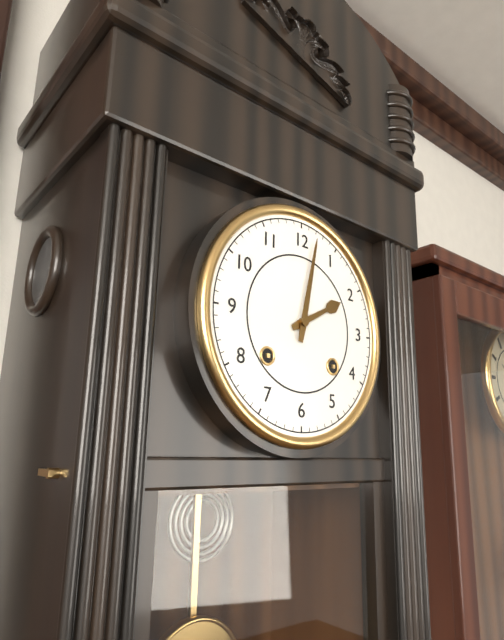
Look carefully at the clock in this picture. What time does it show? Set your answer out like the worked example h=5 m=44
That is h=2 m=2
